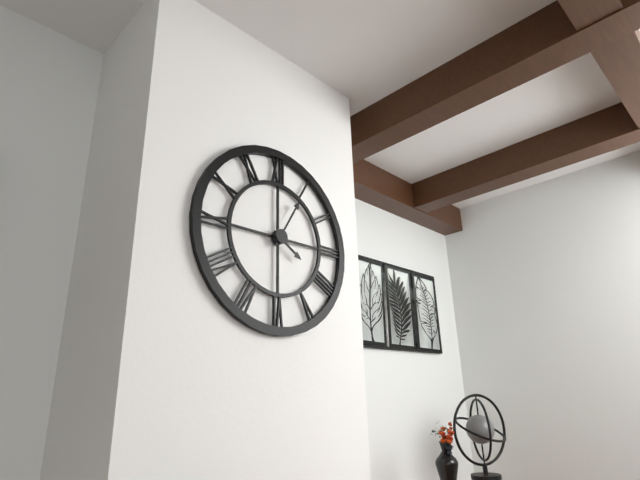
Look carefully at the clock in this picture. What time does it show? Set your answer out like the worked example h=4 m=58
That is h=4 m=5
